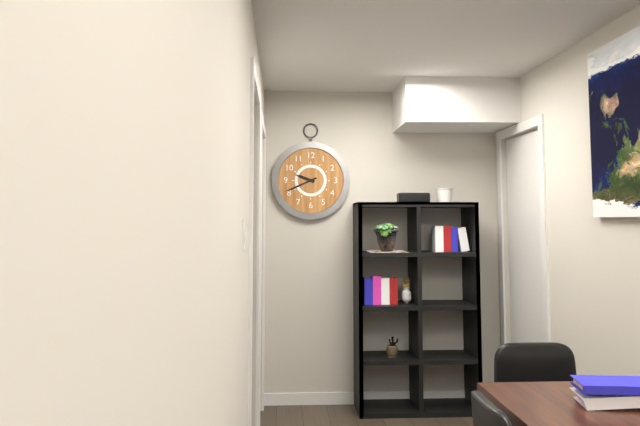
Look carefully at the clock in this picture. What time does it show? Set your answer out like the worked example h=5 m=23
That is h=9 m=41
